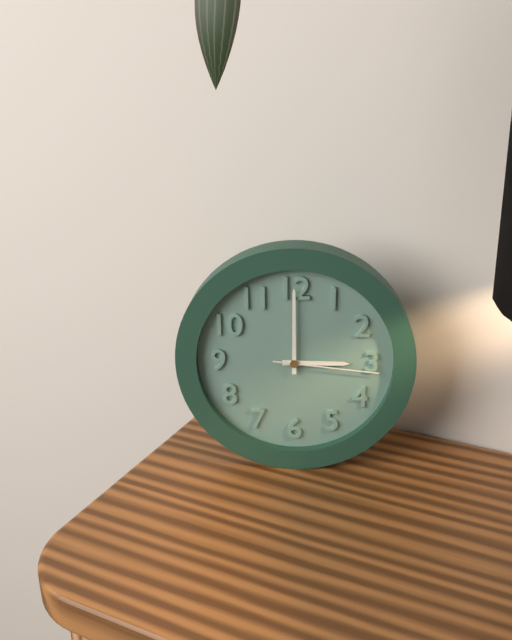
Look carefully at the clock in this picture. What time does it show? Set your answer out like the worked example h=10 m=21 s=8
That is h=3 m=0 s=16
